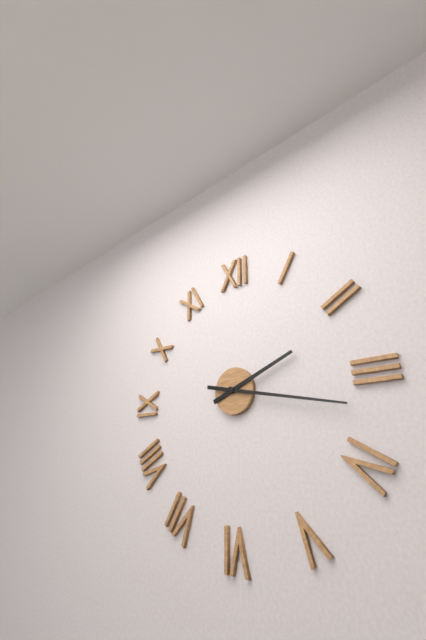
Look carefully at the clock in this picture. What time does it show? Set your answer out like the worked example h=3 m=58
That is h=2 m=17
